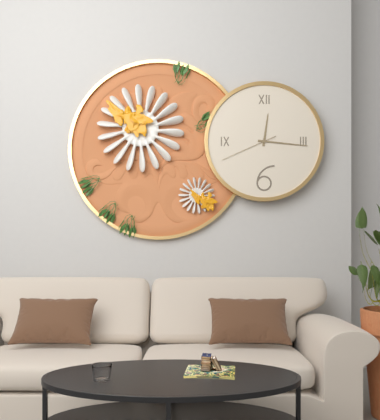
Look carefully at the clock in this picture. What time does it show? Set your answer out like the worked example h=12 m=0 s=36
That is h=12 m=16 s=41
